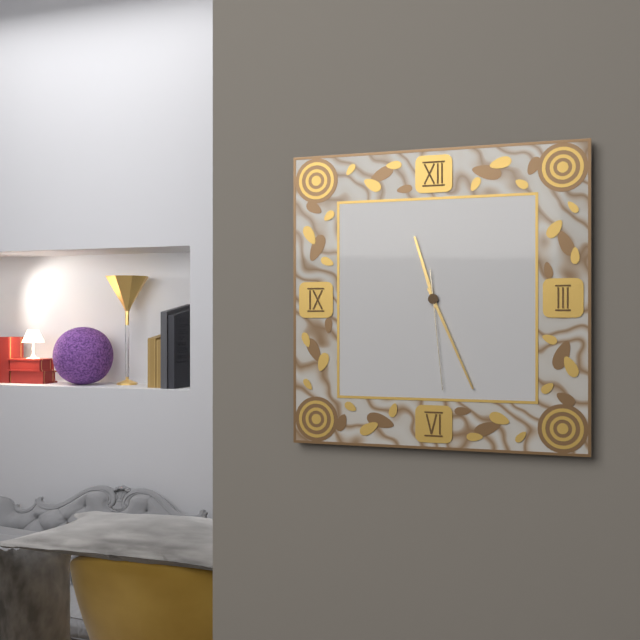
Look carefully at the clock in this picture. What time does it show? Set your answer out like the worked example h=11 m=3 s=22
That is h=11 m=26 s=29
